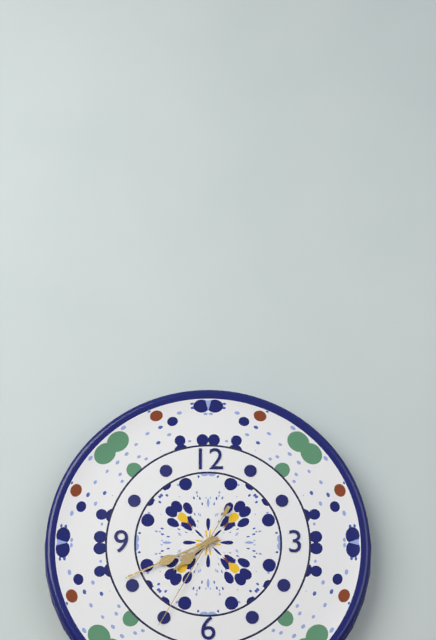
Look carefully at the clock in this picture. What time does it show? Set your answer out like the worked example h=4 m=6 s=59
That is h=7 m=41 s=35
